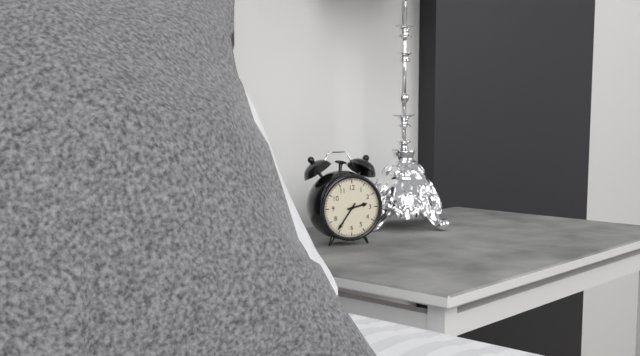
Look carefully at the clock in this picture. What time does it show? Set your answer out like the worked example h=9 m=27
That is h=2 m=36
